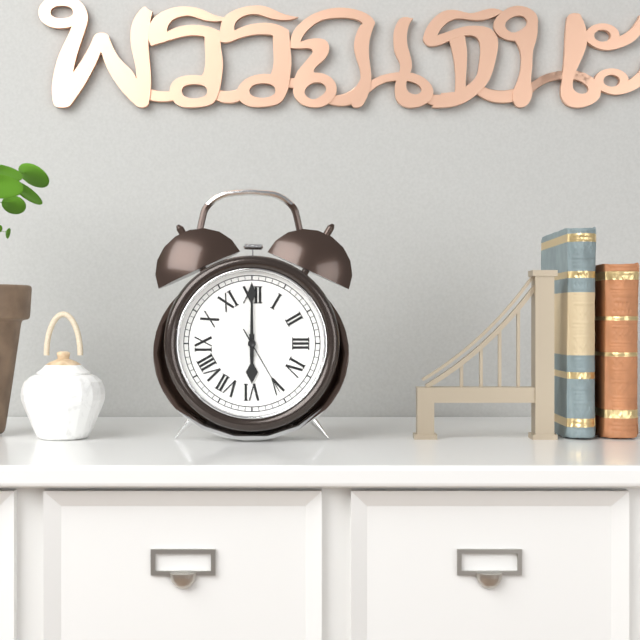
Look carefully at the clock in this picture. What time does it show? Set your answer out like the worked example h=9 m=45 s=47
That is h=6 m=0 s=25
